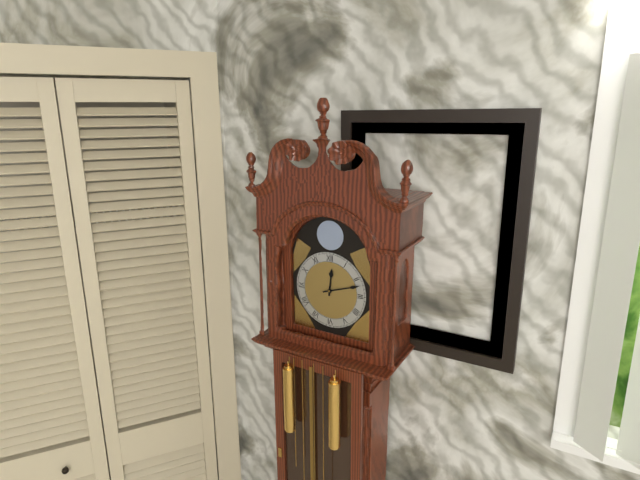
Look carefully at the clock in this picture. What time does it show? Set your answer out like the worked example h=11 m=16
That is h=12 m=12
